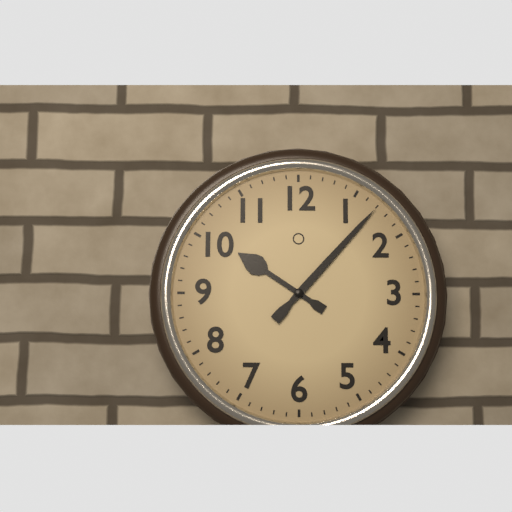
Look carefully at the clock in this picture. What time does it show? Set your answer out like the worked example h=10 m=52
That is h=10 m=7
